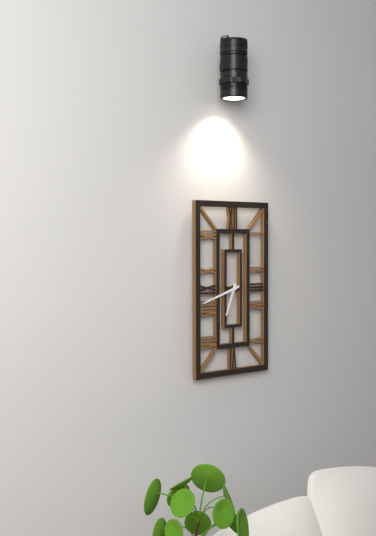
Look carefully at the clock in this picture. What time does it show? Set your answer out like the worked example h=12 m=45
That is h=6 m=42
